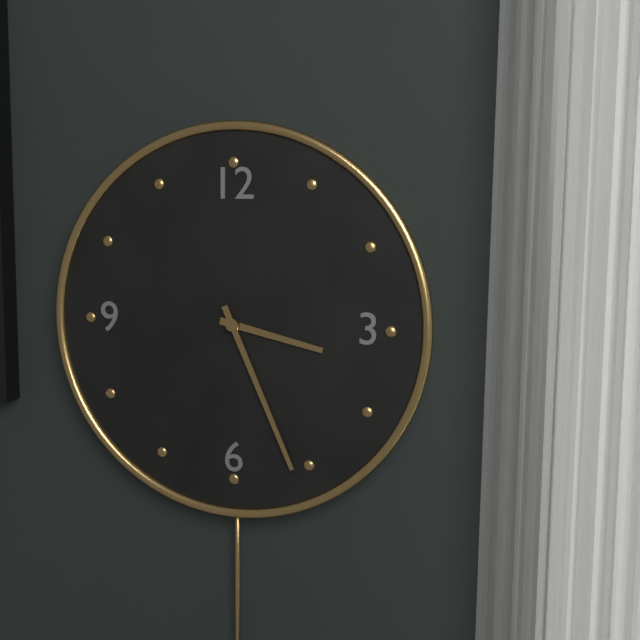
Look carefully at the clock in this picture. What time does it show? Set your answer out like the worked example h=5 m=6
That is h=3 m=26
